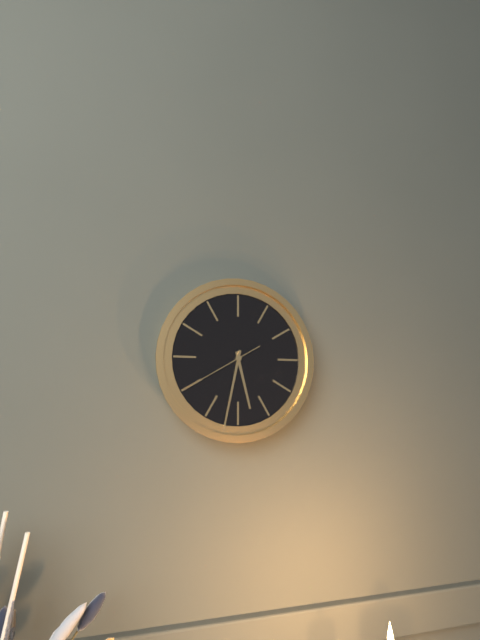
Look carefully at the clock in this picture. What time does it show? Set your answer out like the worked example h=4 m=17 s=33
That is h=5 m=32 s=40
